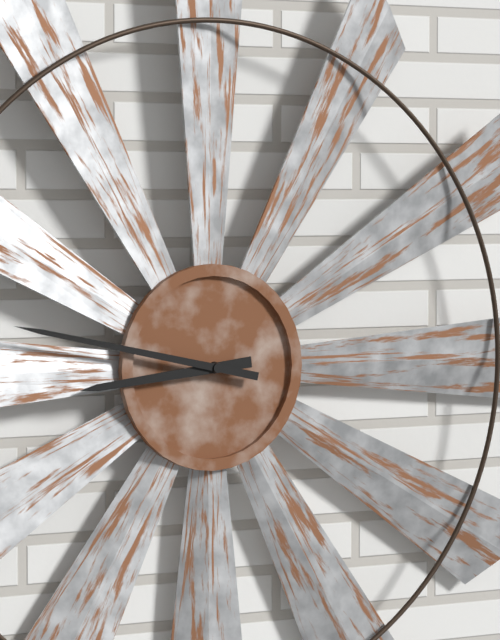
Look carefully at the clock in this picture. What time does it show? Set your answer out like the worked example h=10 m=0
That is h=8 m=47
